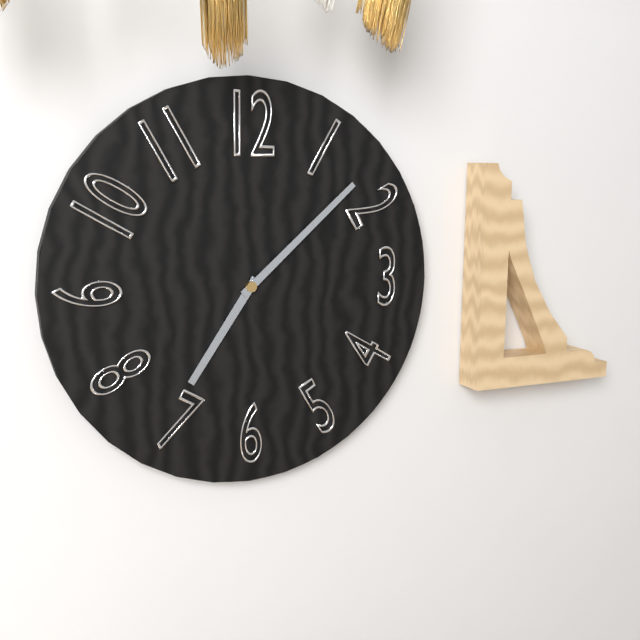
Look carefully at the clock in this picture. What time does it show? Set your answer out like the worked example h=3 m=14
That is h=7 m=8
